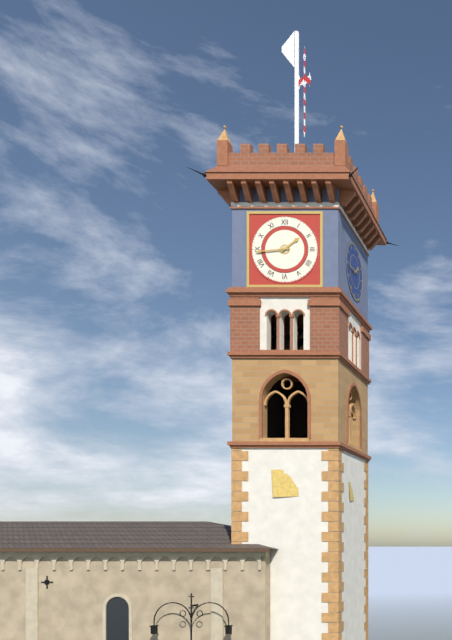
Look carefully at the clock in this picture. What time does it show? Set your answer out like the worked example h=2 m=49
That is h=1 m=44
